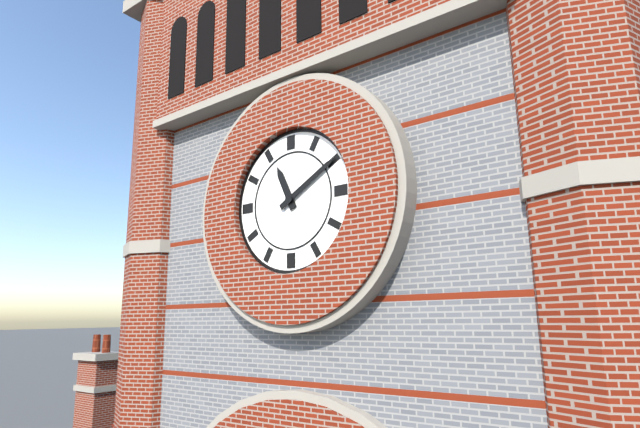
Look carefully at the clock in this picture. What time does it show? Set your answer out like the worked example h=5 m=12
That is h=11 m=10
